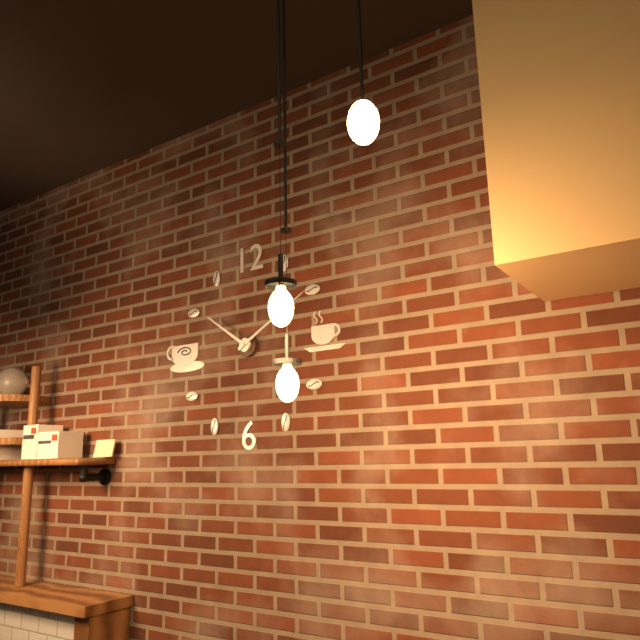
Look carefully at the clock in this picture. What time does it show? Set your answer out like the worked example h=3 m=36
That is h=10 m=10
